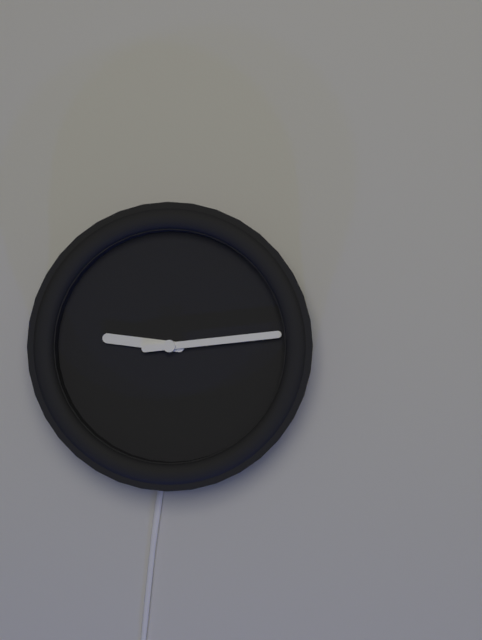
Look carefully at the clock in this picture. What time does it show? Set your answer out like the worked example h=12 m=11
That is h=9 m=14
